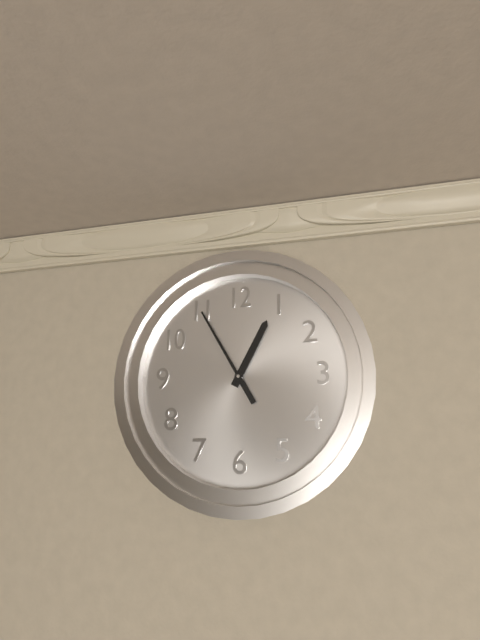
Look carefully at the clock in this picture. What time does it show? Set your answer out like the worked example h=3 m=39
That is h=12 m=55
